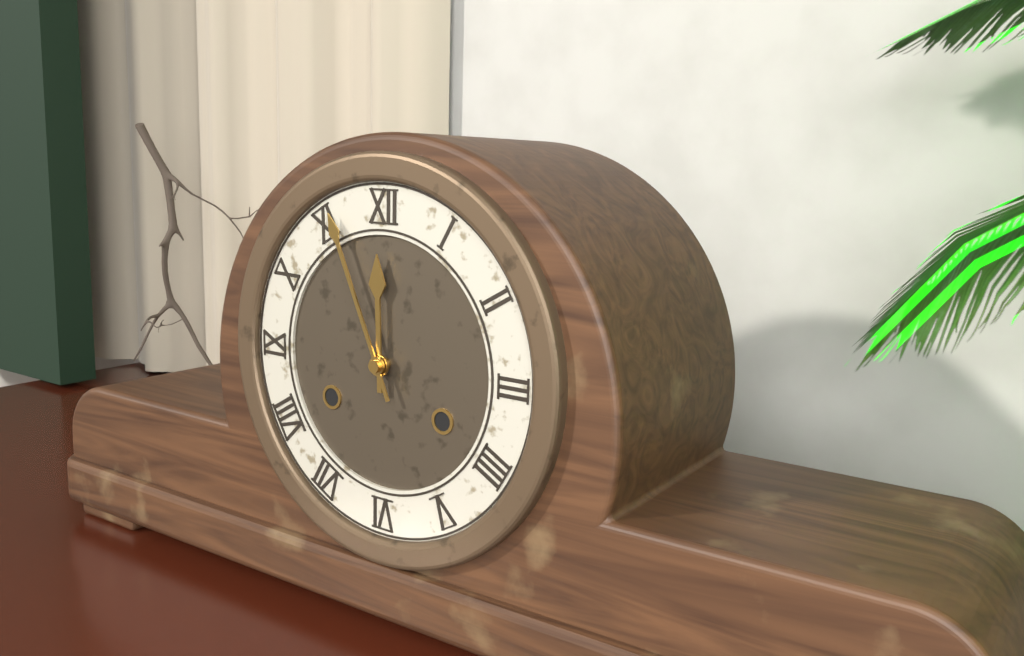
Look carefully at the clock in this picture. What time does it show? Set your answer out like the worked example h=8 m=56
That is h=11 m=56
